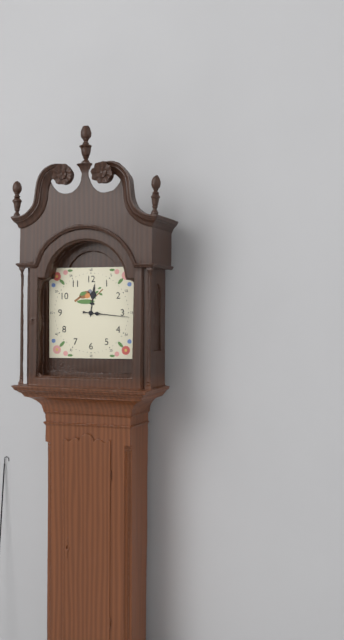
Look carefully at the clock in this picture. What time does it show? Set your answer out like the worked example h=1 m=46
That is h=12 m=16
